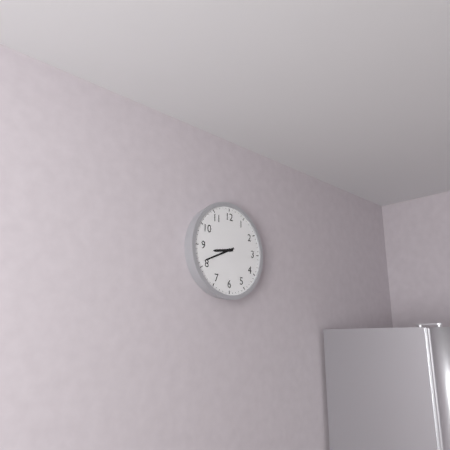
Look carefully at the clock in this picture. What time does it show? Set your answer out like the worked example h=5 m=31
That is h=8 m=41
